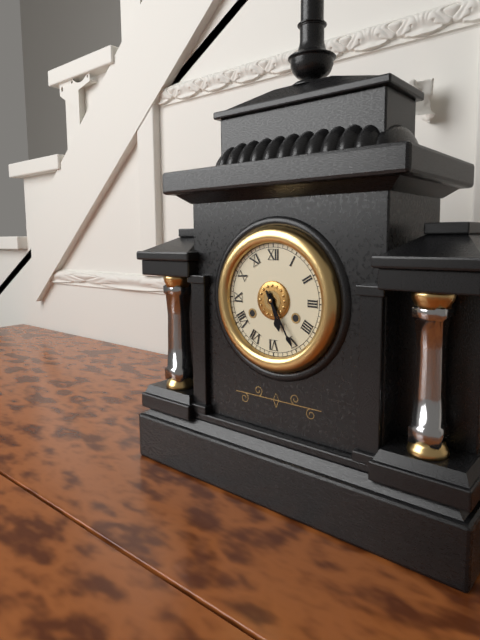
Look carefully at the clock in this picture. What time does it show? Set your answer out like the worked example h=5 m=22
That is h=5 m=25
